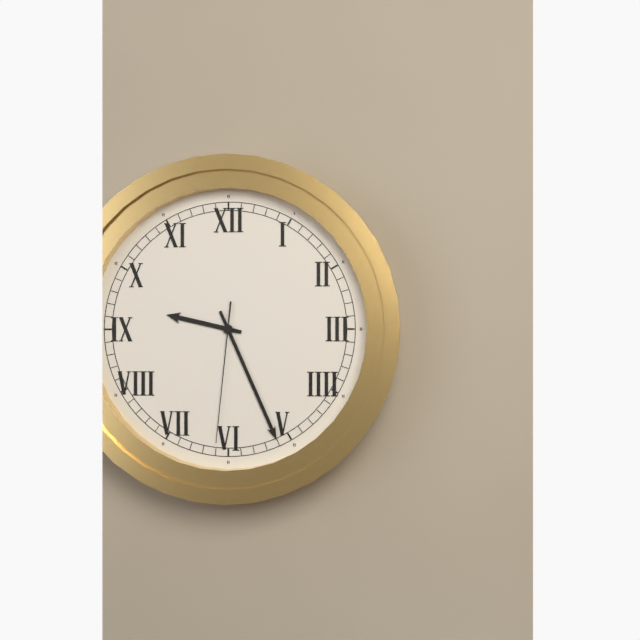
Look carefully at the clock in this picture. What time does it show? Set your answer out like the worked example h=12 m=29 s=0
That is h=9 m=26 s=31
